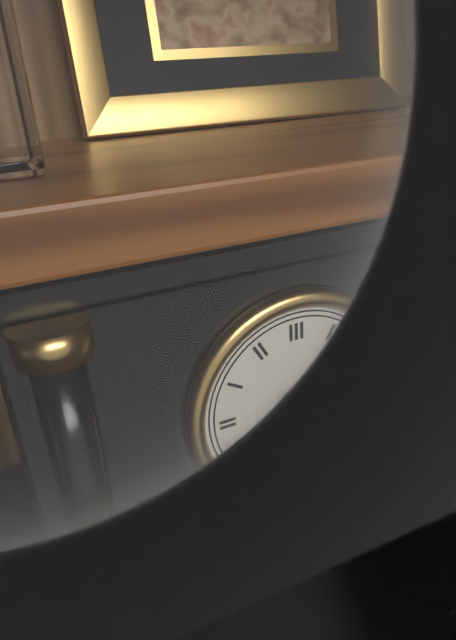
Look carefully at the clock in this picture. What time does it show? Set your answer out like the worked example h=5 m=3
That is h=3 m=21
